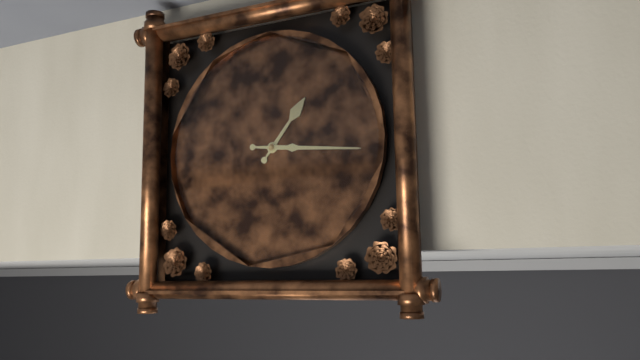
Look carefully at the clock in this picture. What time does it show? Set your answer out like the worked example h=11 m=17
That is h=1 m=16
